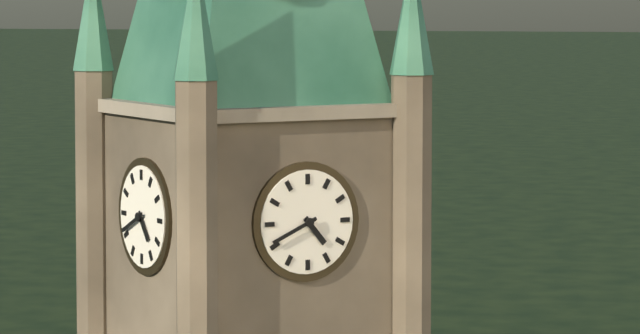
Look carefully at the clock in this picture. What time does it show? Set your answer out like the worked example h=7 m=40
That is h=4 m=41
